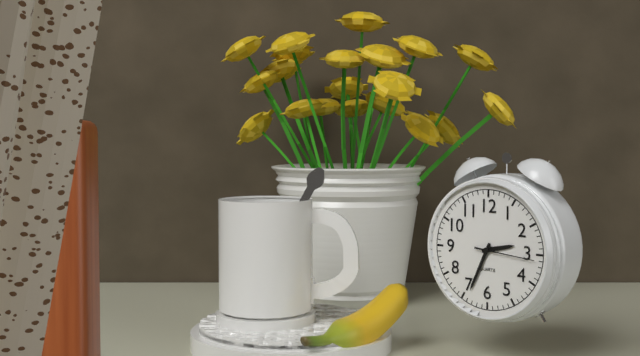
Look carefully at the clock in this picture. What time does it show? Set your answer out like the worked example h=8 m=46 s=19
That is h=2 m=34 s=16
